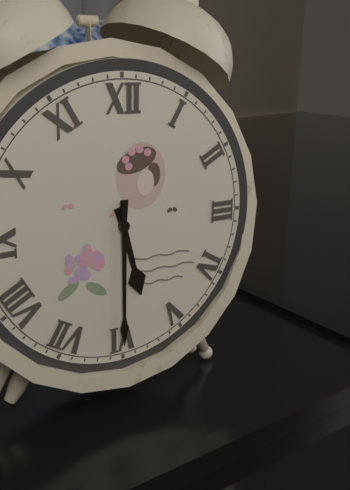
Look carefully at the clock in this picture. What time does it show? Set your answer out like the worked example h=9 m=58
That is h=5 m=30
